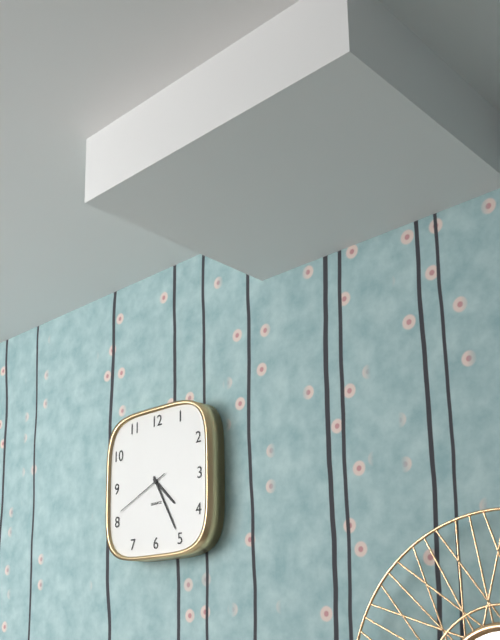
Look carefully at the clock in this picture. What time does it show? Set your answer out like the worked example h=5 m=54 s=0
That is h=4 m=25 s=41
